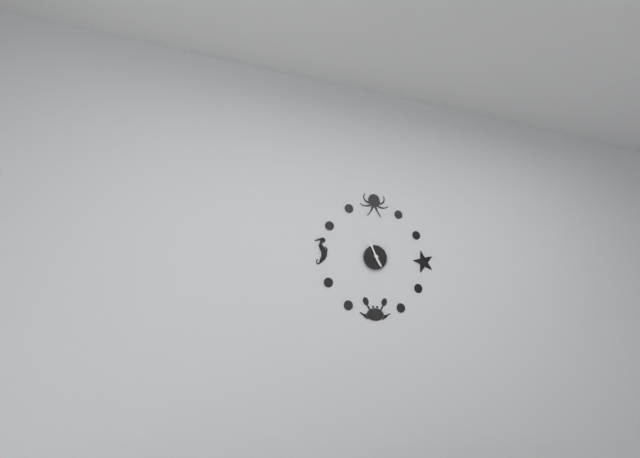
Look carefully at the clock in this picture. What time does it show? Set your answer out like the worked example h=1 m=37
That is h=4 m=56
